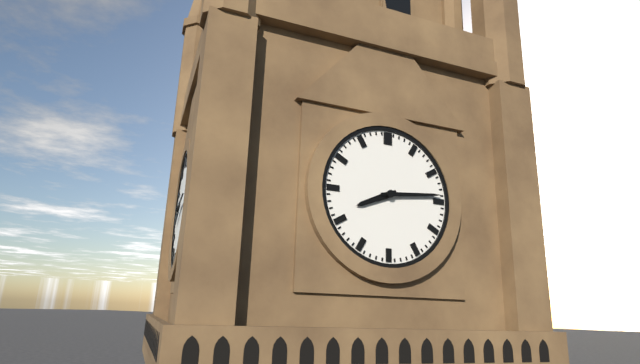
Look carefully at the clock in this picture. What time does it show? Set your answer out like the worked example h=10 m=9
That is h=8 m=14
